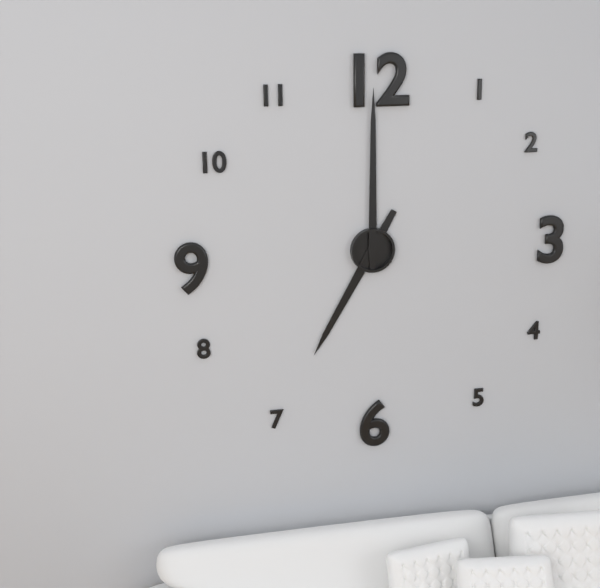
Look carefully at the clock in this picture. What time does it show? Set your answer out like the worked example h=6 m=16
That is h=7 m=0
